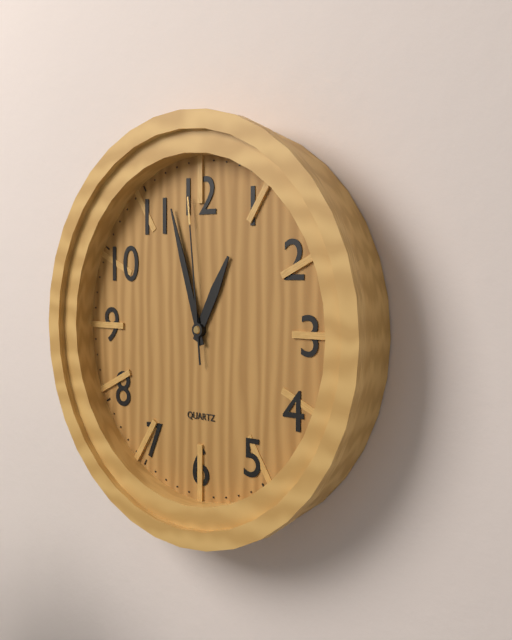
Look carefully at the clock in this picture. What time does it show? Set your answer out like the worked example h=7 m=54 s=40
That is h=12 m=57 s=59
